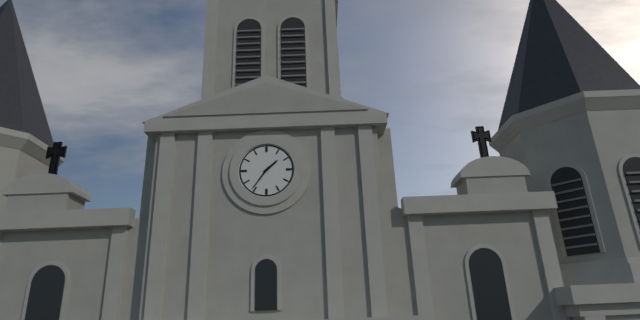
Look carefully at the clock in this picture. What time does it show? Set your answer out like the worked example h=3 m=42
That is h=1 m=36
